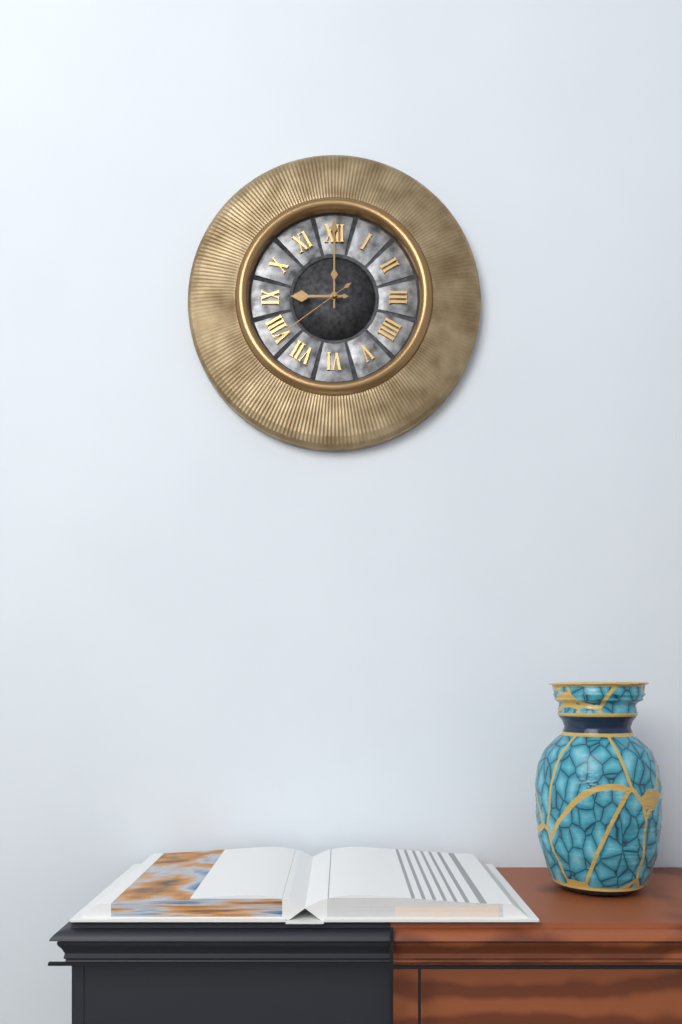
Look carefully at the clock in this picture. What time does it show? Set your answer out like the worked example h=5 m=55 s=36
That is h=9 m=0 s=39
